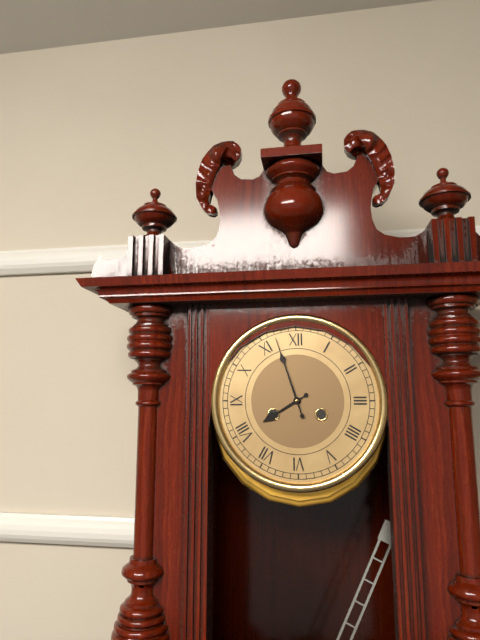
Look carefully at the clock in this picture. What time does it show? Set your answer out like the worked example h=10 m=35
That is h=7 m=57
